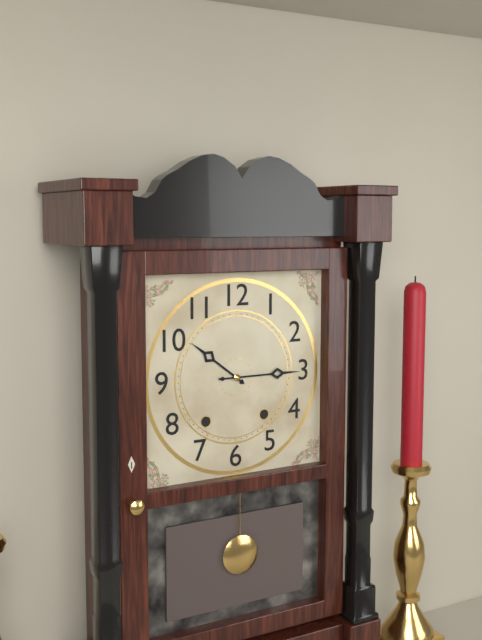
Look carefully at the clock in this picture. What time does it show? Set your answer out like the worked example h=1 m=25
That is h=10 m=15
